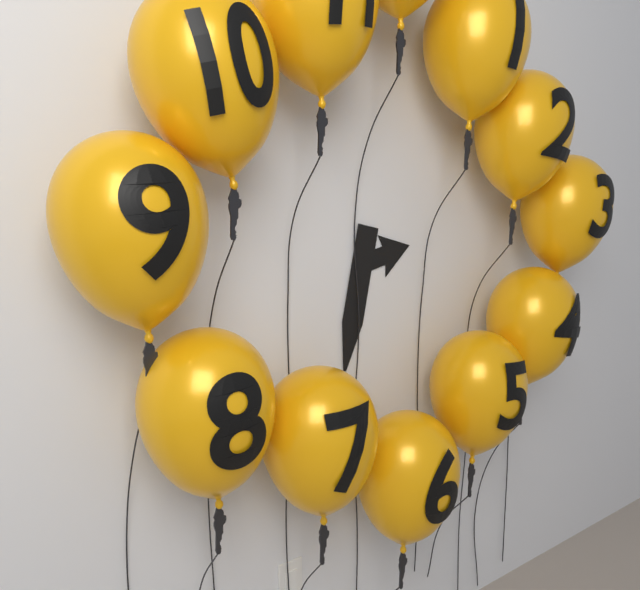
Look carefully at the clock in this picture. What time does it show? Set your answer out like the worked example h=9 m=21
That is h=2 m=32
